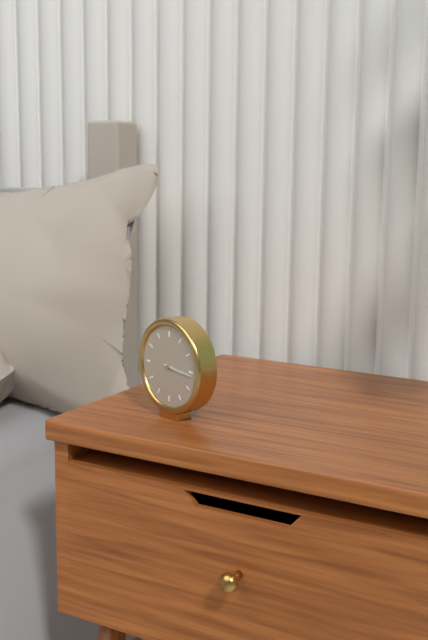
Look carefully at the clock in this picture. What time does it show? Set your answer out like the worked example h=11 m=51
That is h=3 m=16
